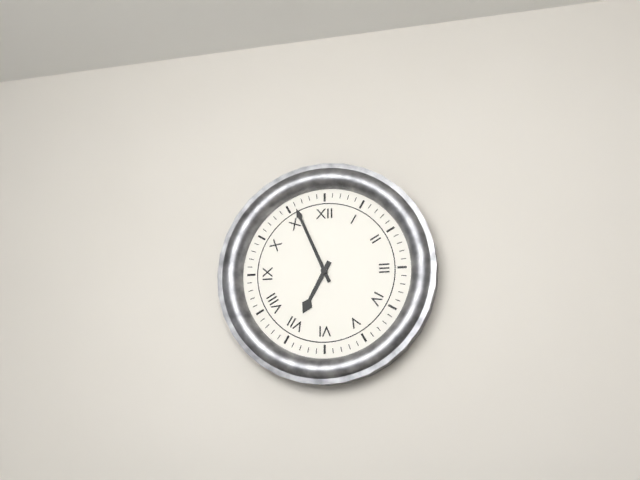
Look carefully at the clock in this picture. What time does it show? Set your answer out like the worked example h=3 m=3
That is h=6 m=56
